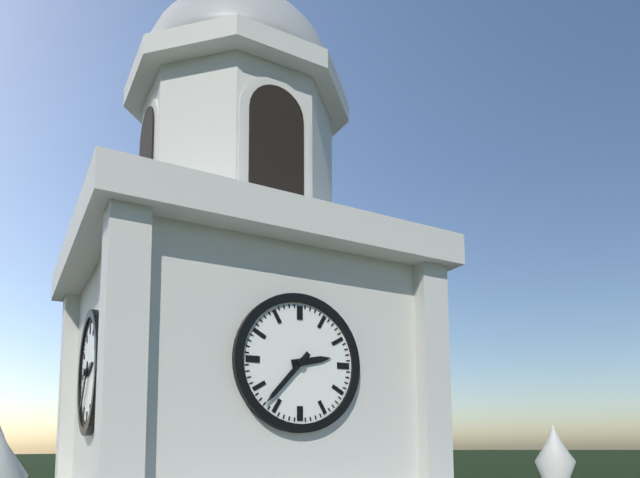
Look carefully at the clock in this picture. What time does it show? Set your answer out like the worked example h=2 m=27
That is h=2 m=37
